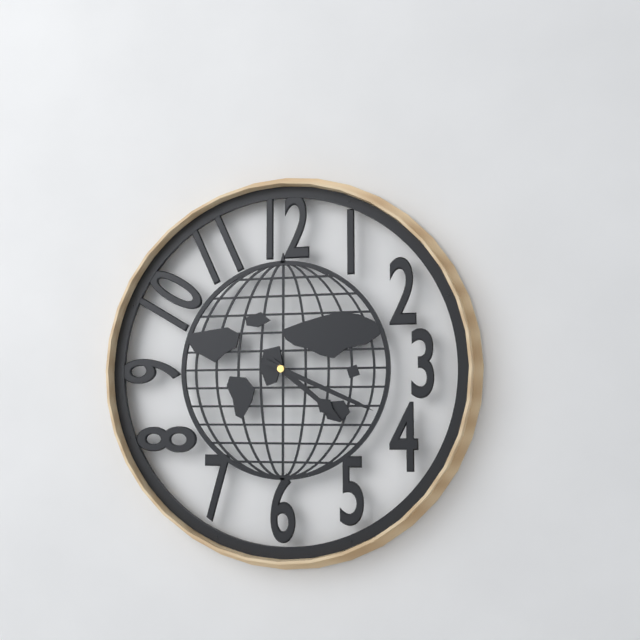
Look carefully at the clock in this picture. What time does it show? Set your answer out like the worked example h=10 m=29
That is h=4 m=19
